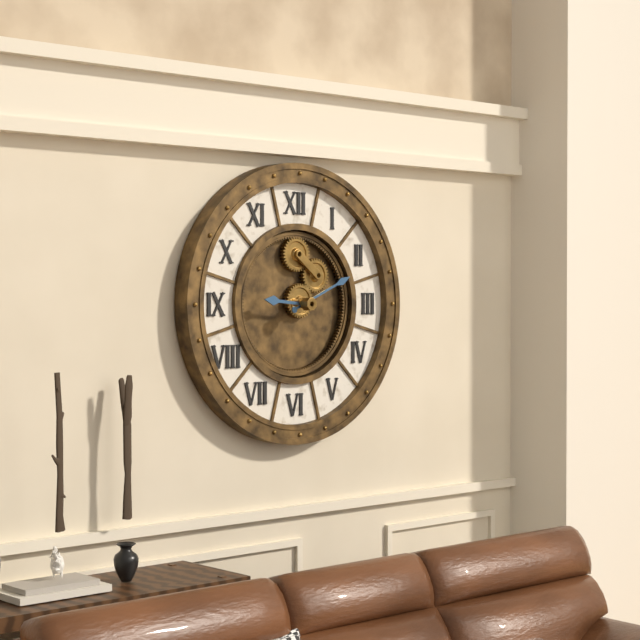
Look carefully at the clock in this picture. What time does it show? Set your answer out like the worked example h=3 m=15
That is h=9 m=11
